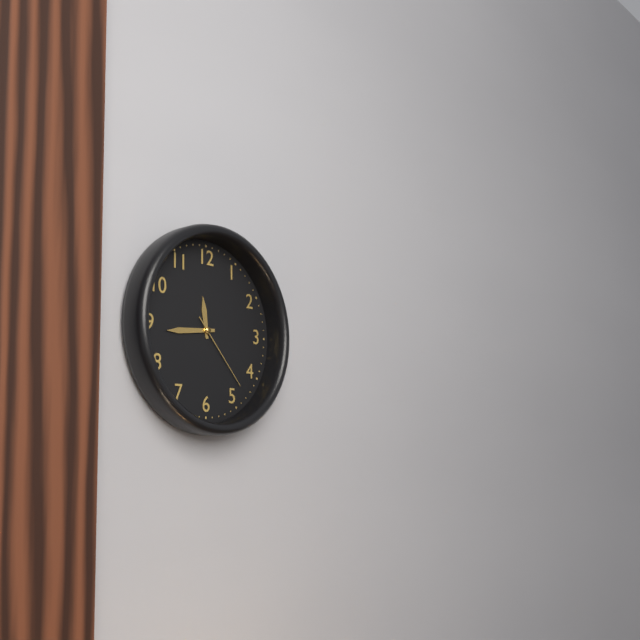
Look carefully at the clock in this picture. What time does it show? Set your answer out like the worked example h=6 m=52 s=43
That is h=11 m=44 s=23
